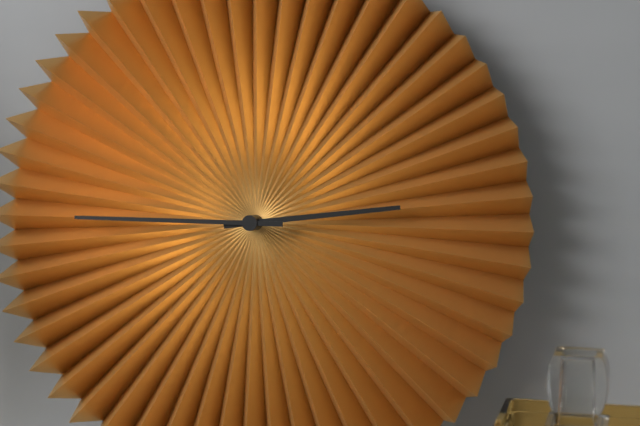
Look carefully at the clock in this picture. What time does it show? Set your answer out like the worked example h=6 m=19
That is h=2 m=45
